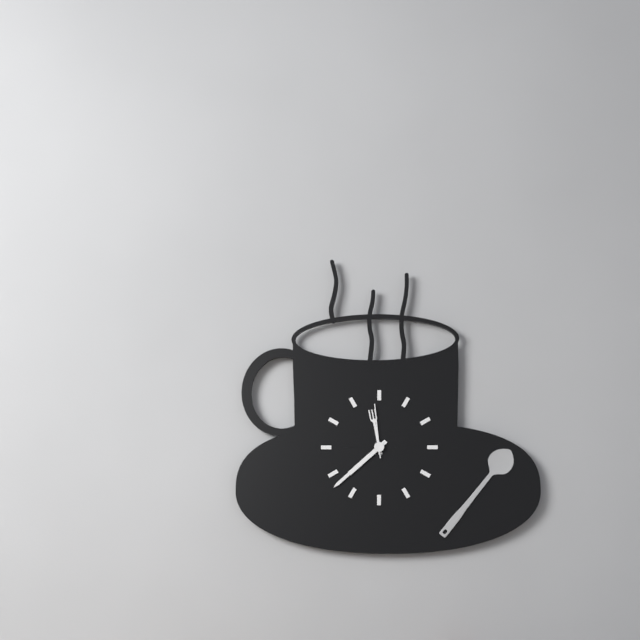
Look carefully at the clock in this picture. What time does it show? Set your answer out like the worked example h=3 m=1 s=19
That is h=11 m=38 s=59
